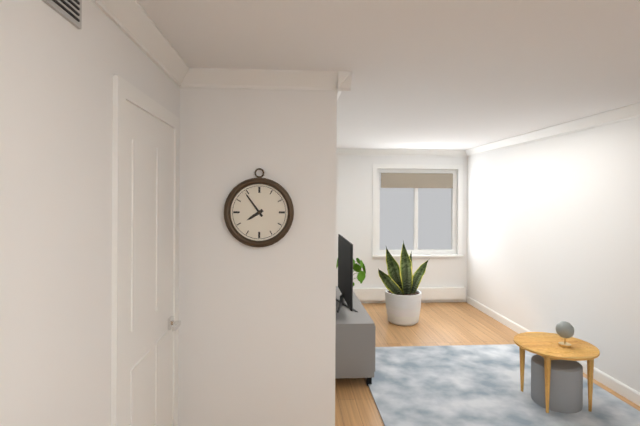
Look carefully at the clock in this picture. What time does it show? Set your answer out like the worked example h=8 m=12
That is h=7 m=54
